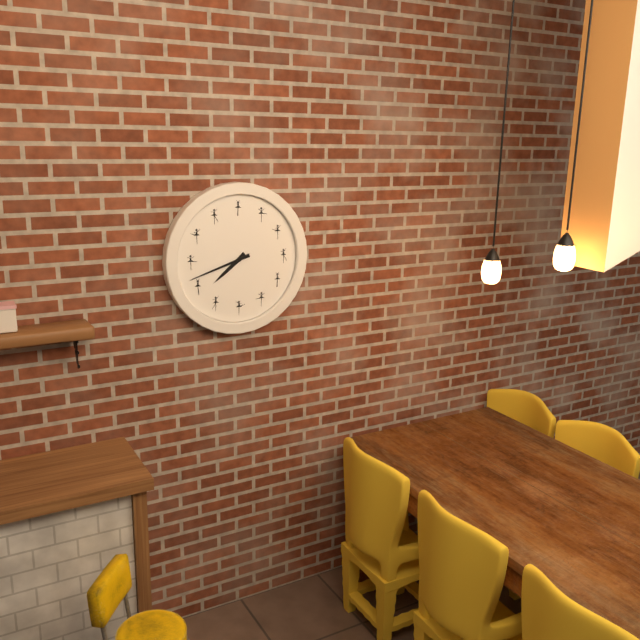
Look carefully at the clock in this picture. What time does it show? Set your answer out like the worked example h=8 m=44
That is h=7 m=42
